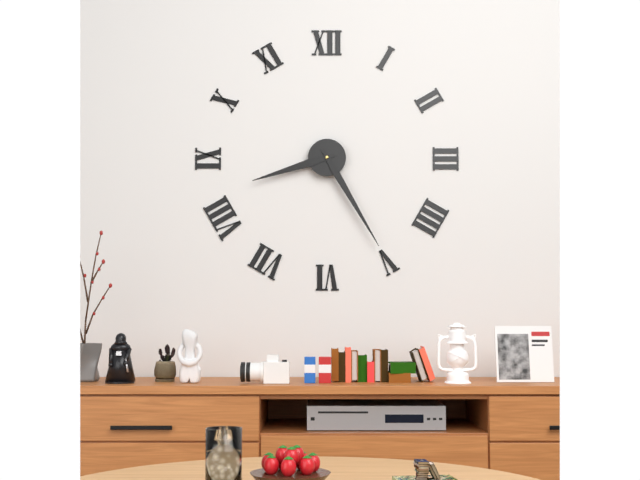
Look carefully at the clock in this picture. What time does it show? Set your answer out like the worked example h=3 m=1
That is h=8 m=25
